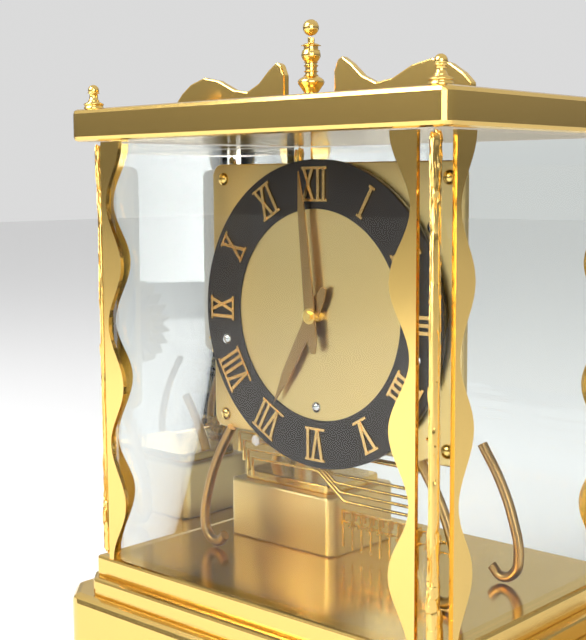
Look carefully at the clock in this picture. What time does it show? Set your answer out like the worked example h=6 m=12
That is h=6 m=59
